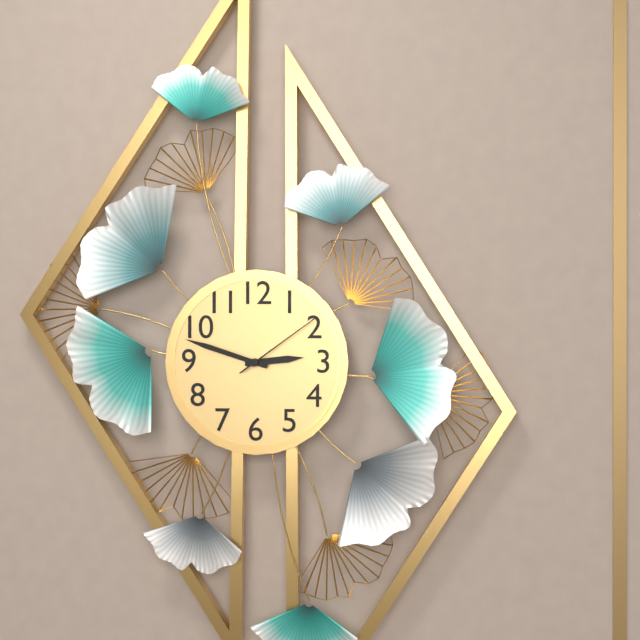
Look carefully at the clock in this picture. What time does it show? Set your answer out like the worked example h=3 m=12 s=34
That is h=2 m=48 s=9
